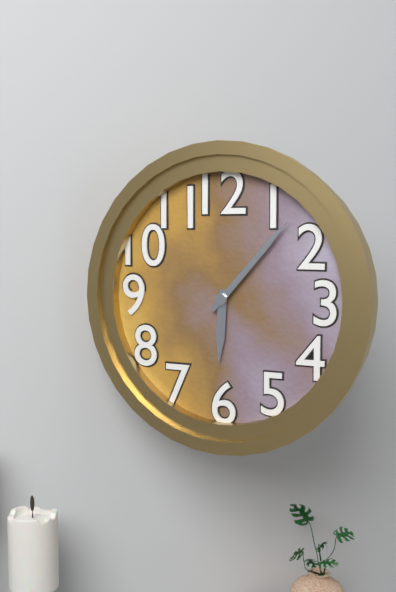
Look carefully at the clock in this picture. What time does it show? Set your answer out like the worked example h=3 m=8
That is h=6 m=7
